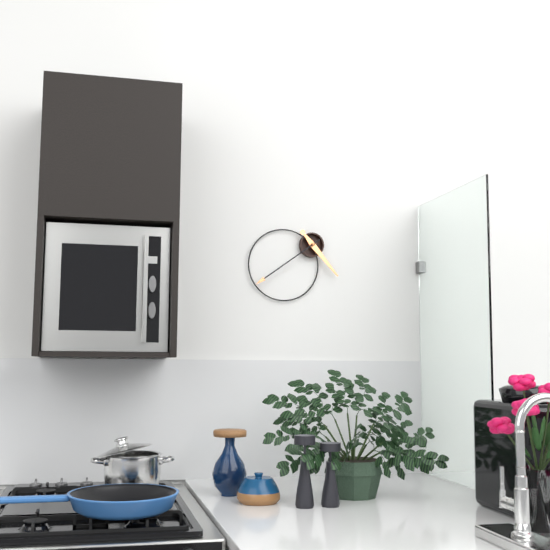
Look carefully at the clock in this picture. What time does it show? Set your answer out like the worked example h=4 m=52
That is h=4 m=39
